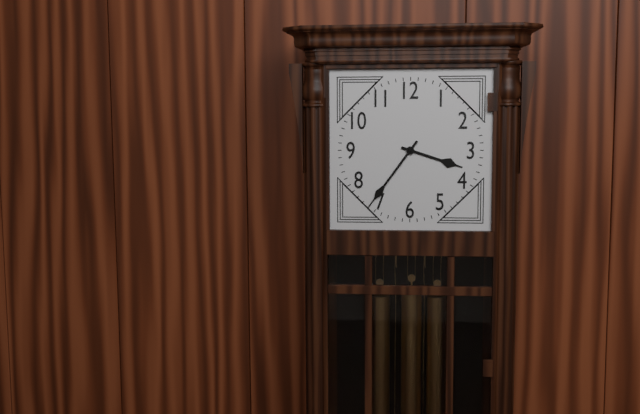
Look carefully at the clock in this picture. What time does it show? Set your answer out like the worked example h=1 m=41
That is h=3 m=36
